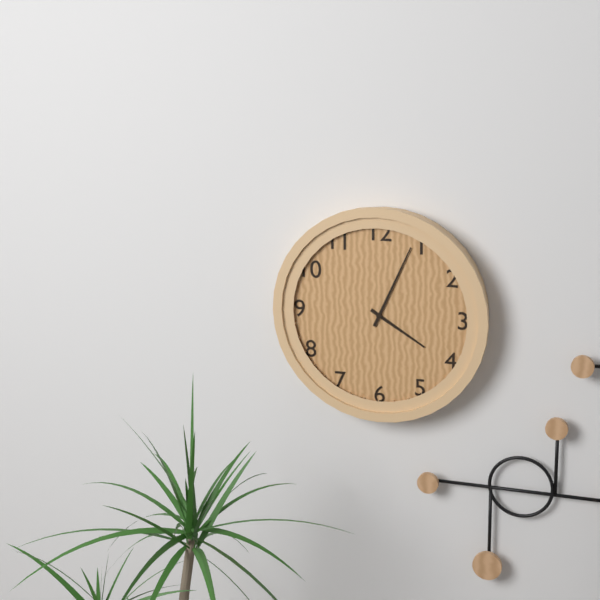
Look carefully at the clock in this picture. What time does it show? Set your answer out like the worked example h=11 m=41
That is h=4 m=4
